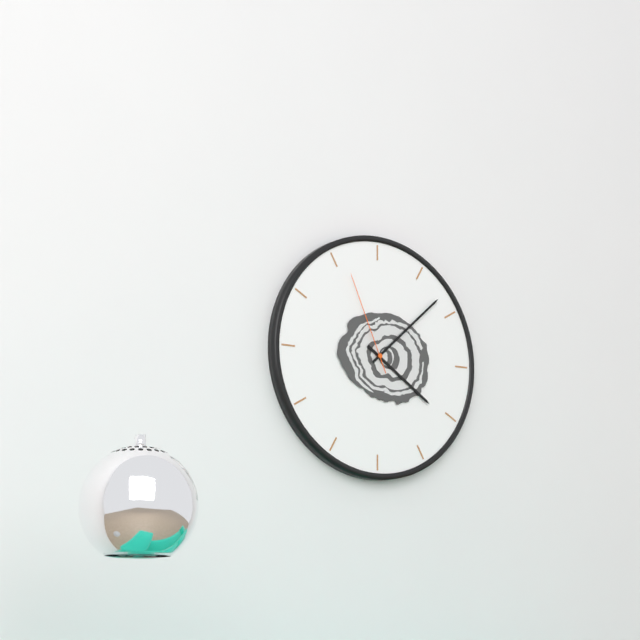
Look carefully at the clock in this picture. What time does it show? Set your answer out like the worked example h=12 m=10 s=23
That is h=4 m=8 s=56
